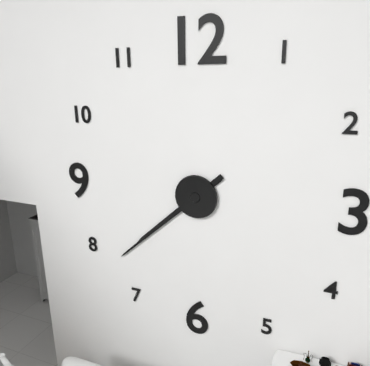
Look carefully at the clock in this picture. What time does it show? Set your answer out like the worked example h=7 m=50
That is h=7 m=38
